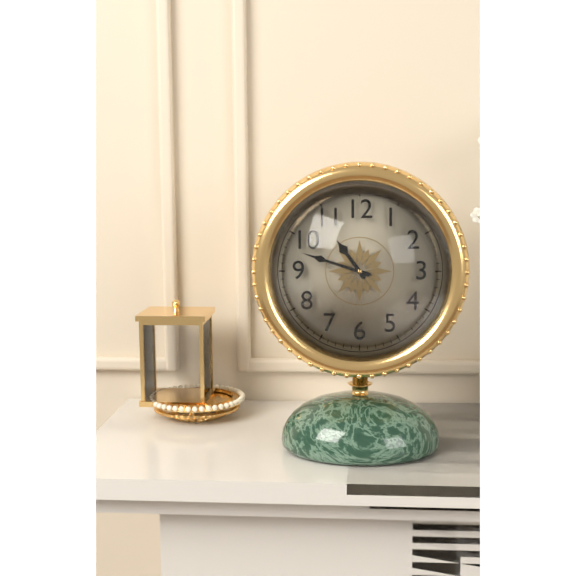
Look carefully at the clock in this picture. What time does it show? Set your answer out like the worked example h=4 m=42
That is h=10 m=48
